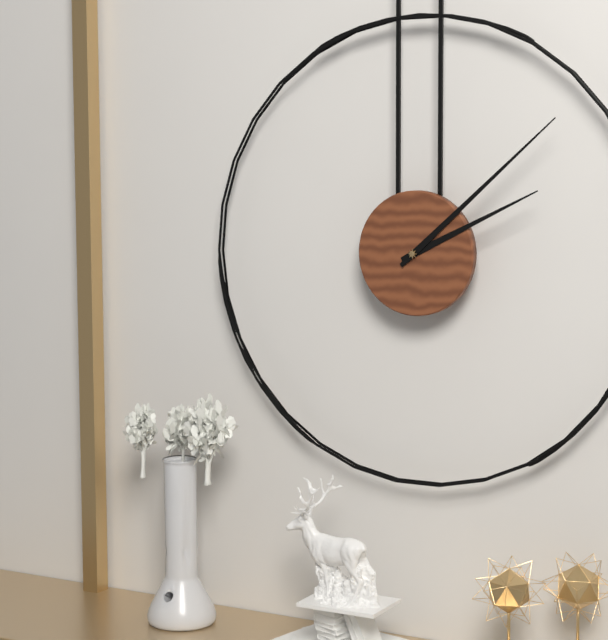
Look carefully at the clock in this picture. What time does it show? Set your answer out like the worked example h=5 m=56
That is h=2 m=8
